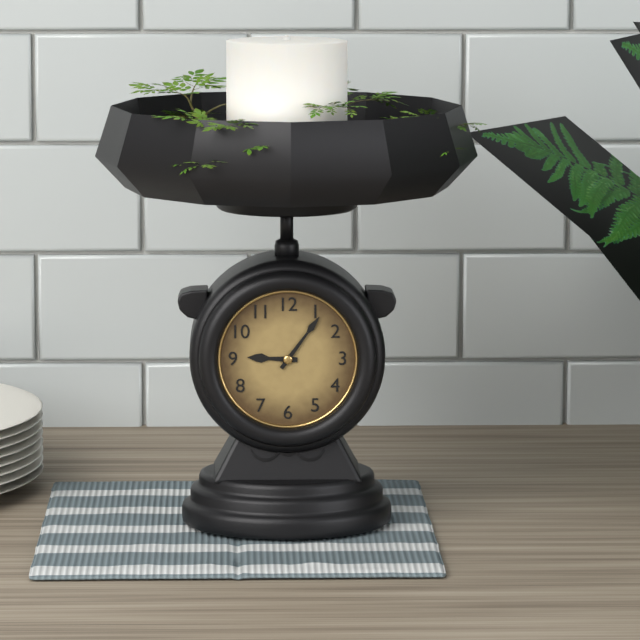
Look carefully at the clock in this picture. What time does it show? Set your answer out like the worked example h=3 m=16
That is h=9 m=6
